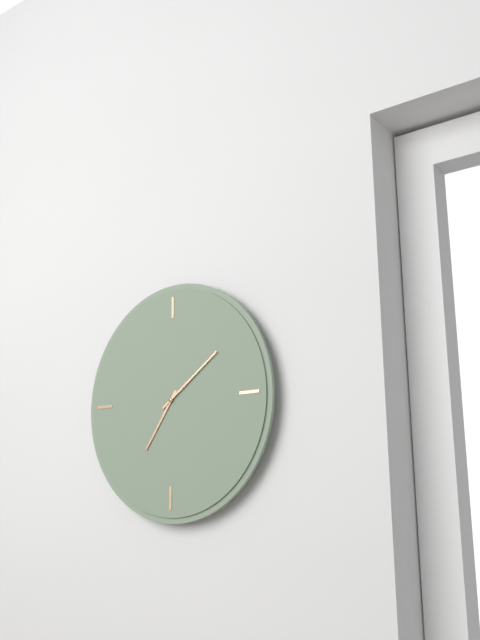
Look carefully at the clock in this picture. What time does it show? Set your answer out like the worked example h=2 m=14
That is h=7 m=9
